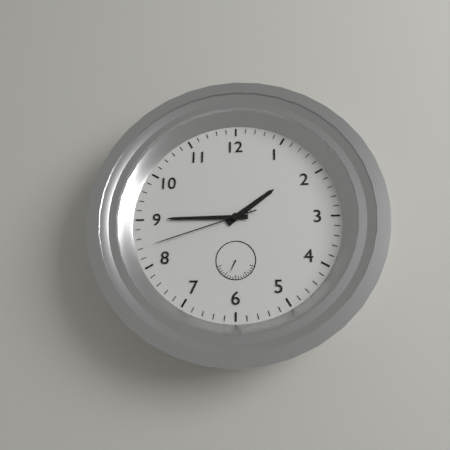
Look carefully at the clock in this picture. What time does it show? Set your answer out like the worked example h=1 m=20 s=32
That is h=1 m=45 s=42
